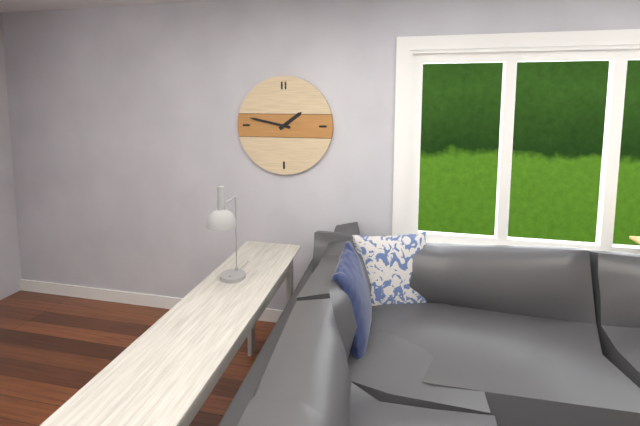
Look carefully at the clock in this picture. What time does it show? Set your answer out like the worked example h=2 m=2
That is h=1 m=47
